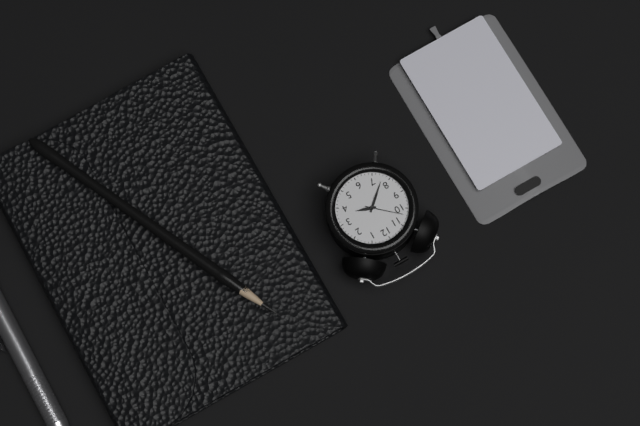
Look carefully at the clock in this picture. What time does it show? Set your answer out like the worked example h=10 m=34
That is h=3 m=38
